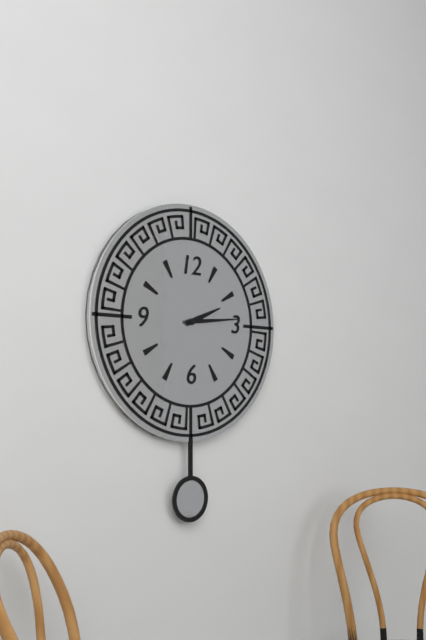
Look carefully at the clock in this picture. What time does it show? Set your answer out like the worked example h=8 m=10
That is h=2 m=14
